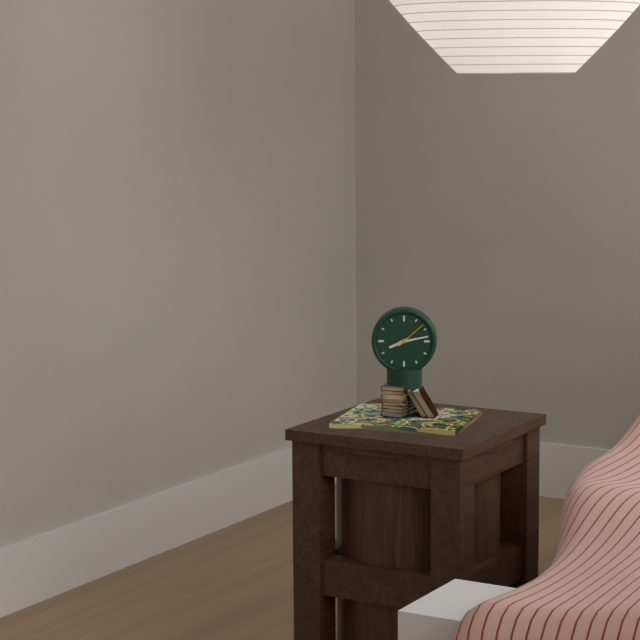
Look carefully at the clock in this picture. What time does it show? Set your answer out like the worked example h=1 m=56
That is h=8 m=13
